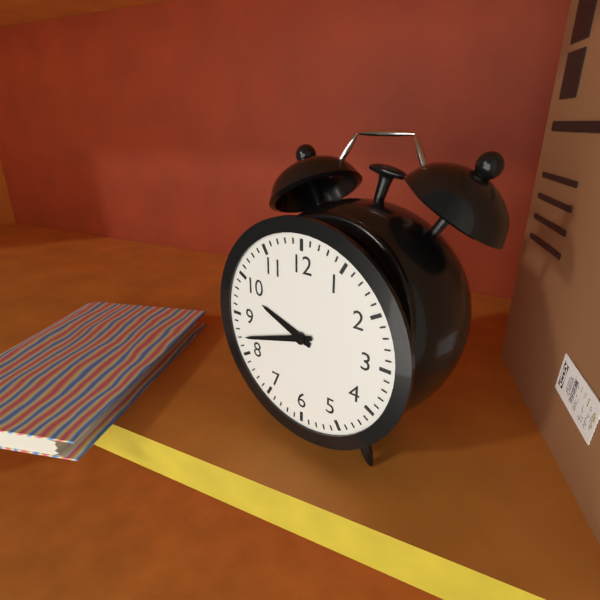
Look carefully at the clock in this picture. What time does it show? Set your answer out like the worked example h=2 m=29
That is h=9 m=42
